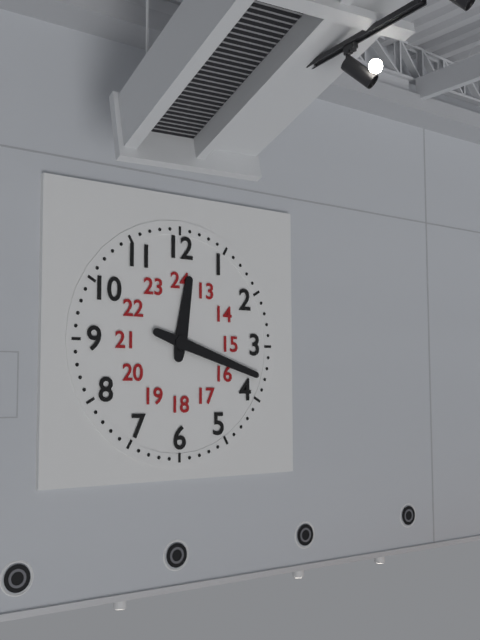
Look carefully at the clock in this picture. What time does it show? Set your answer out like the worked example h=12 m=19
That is h=12 m=18
